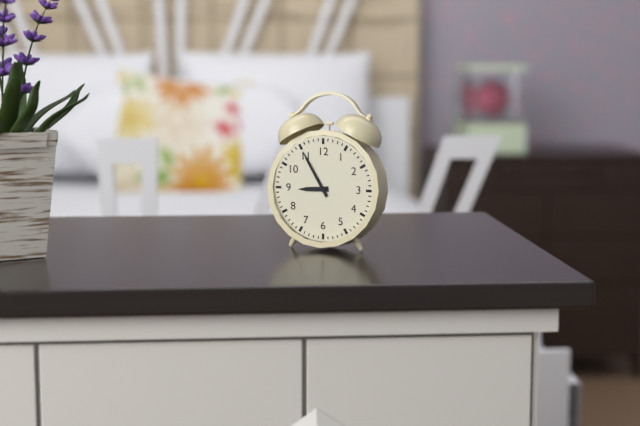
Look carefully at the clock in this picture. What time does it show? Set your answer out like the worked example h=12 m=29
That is h=8 m=55
